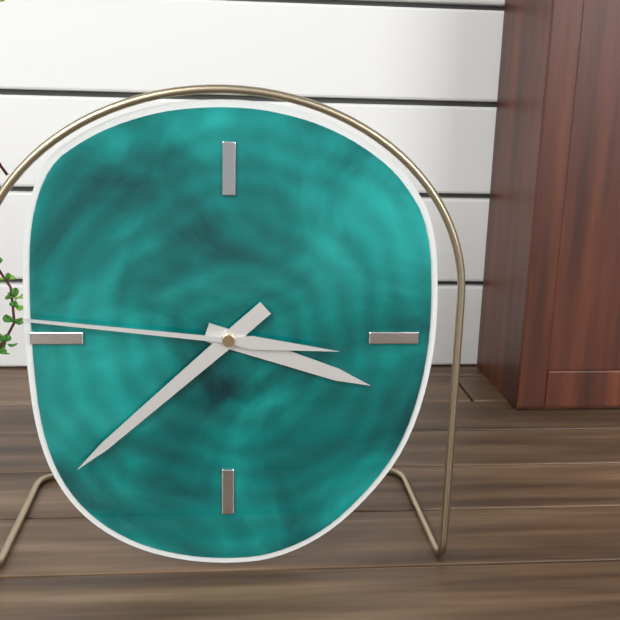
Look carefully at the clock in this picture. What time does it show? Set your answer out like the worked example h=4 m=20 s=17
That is h=3 m=38 s=46
